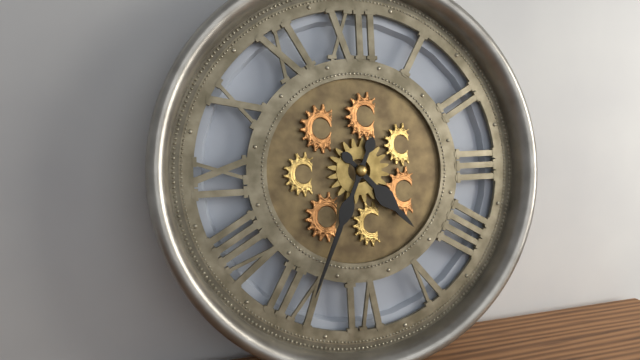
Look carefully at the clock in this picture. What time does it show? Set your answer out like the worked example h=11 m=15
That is h=4 m=34
